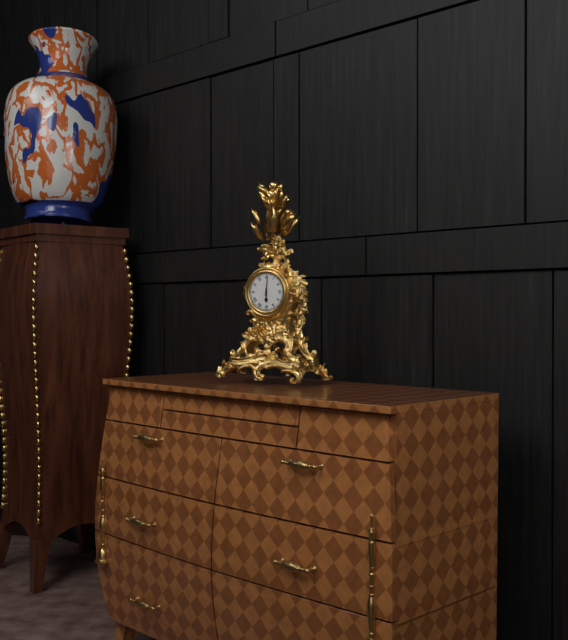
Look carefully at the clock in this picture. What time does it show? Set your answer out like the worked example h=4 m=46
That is h=6 m=1
